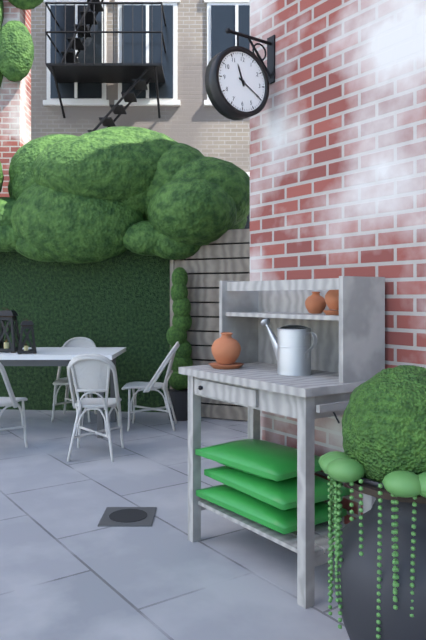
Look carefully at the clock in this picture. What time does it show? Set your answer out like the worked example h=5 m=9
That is h=11 m=20
